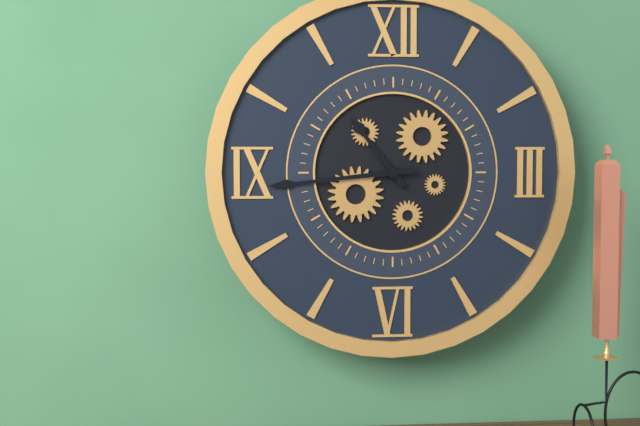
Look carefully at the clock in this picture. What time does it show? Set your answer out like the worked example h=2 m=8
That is h=10 m=44
